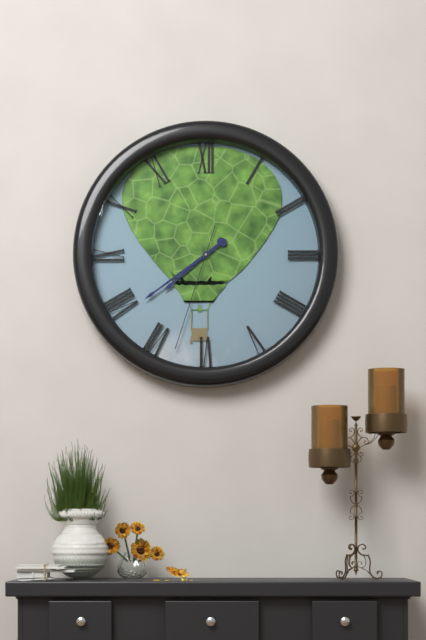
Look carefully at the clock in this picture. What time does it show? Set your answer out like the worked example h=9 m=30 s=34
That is h=7 m=39 s=33
